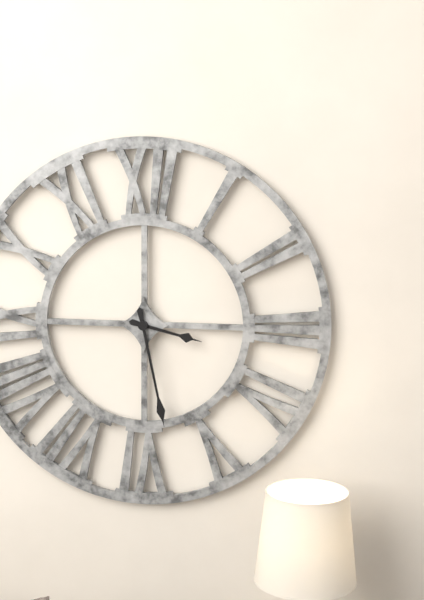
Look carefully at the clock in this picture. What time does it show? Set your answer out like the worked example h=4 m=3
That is h=3 m=28
